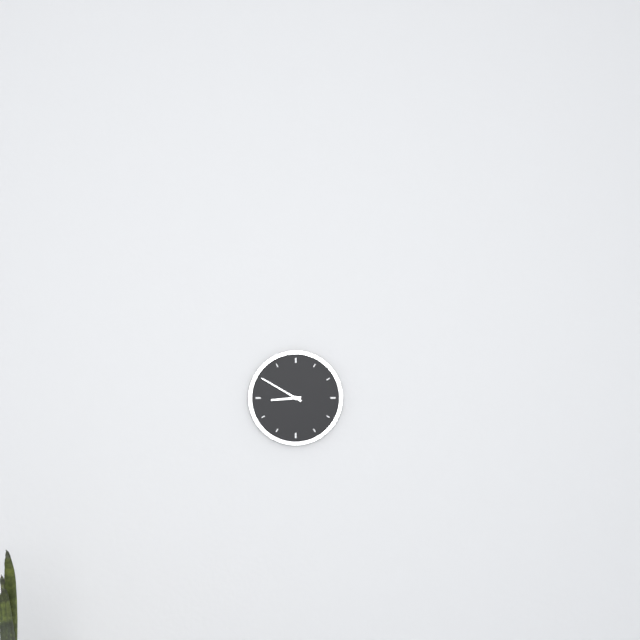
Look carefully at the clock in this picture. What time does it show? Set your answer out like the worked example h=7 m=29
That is h=8 m=50
